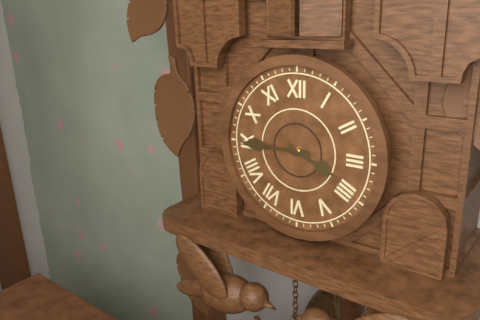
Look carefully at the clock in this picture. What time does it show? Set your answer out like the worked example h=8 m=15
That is h=3 m=45
